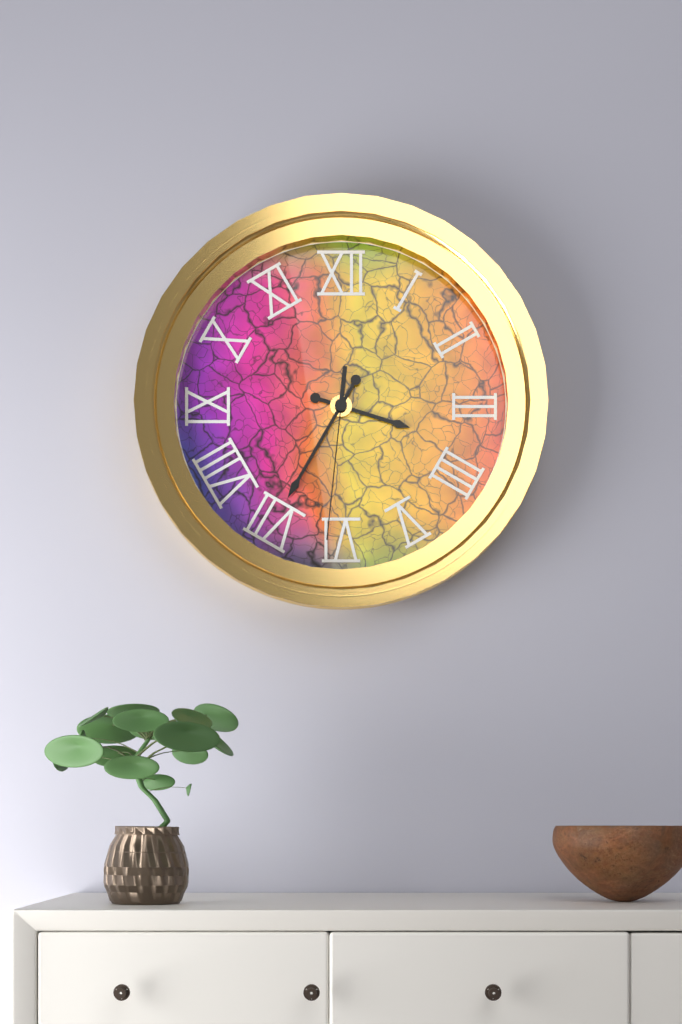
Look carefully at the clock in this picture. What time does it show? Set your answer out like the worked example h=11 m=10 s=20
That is h=3 m=35 s=31
